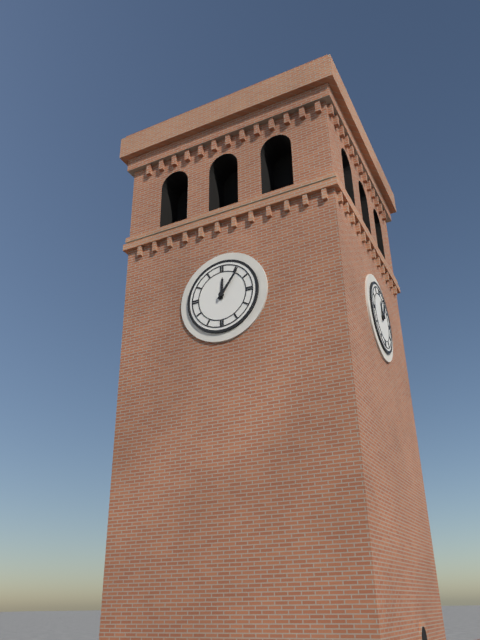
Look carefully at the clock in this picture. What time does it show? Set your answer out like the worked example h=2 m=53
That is h=12 m=6
